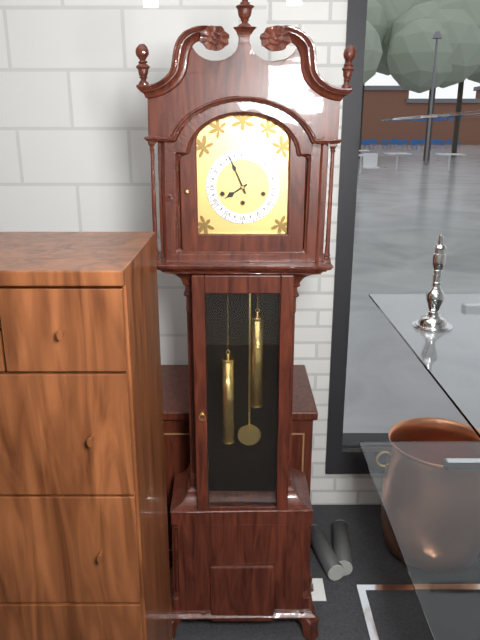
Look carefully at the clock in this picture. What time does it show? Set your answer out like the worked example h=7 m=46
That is h=7 m=56
